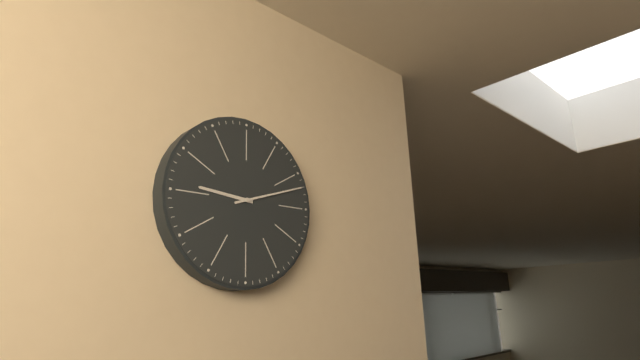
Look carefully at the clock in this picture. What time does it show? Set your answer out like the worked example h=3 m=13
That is h=9 m=12
